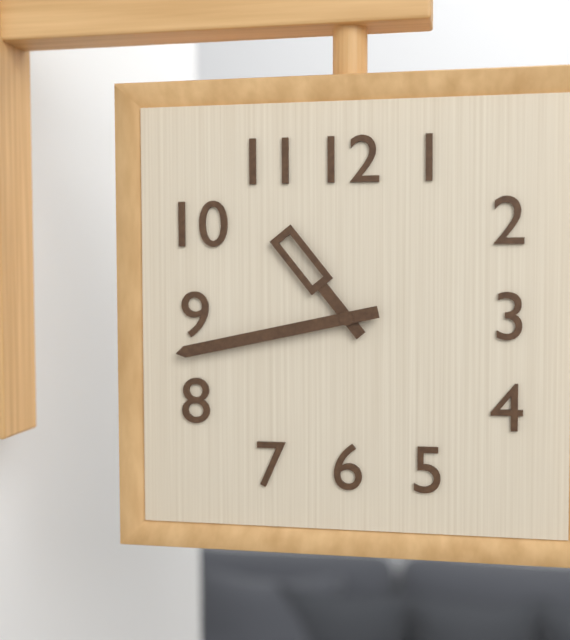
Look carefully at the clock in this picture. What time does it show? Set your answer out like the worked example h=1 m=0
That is h=10 m=43
